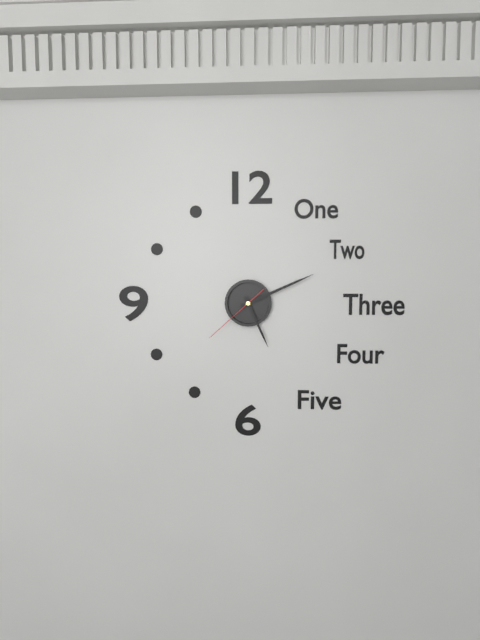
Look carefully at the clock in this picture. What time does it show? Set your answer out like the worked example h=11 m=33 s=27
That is h=5 m=11 s=38
